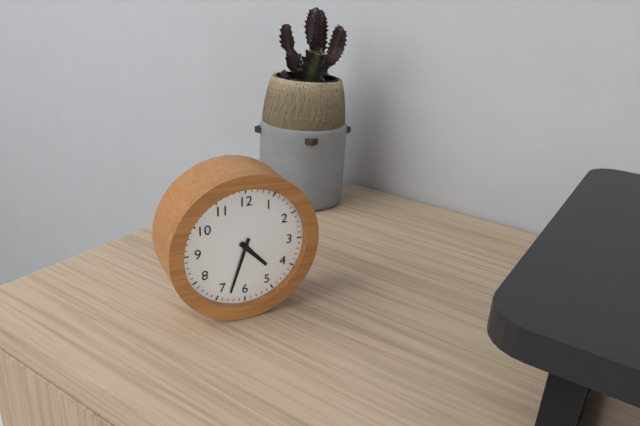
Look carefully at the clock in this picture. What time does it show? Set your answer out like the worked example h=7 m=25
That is h=4 m=33
